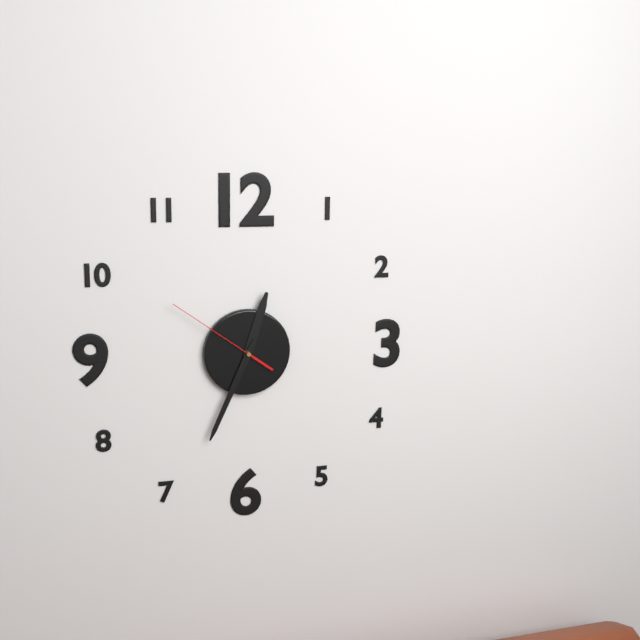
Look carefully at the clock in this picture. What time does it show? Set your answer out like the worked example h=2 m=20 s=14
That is h=12 m=34 s=51
